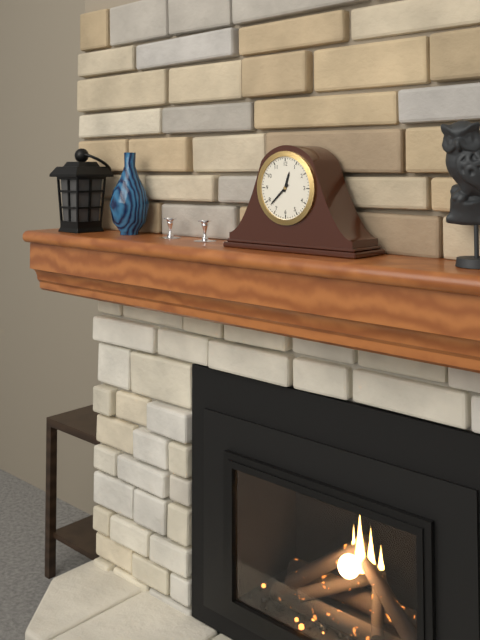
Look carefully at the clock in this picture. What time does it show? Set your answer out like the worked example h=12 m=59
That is h=12 m=38
